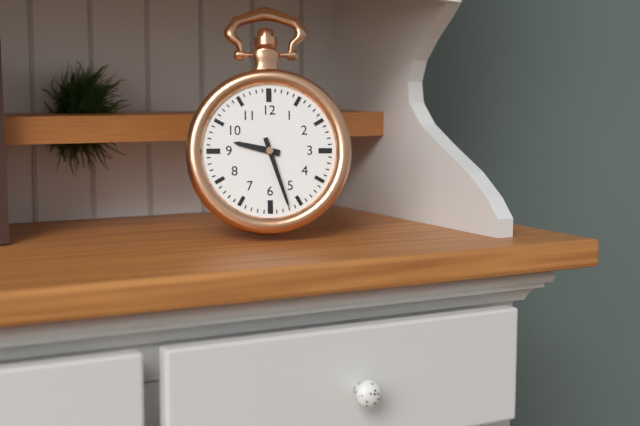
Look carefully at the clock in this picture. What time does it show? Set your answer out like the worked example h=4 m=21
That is h=9 m=27
